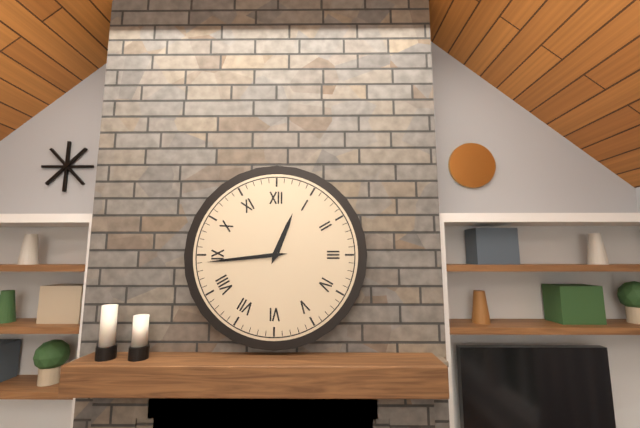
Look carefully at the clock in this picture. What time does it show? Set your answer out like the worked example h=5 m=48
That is h=12 m=44
